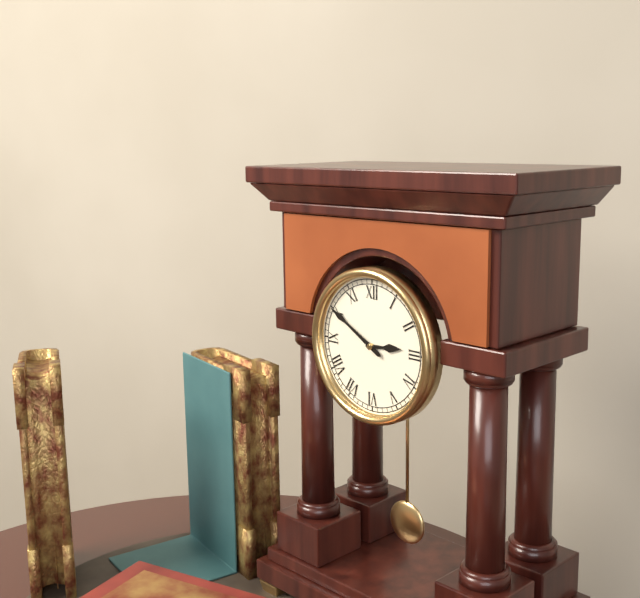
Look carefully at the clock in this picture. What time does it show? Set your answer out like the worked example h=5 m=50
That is h=2 m=50
